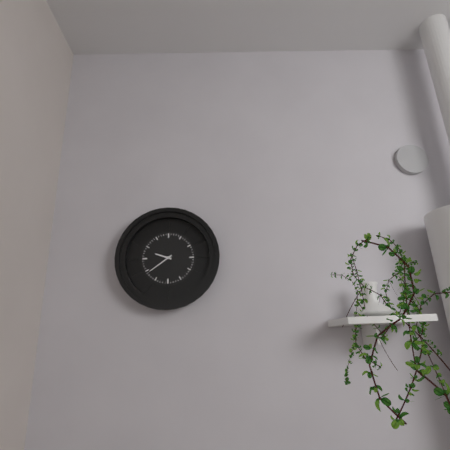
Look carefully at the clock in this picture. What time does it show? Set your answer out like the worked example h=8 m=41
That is h=9 m=39
